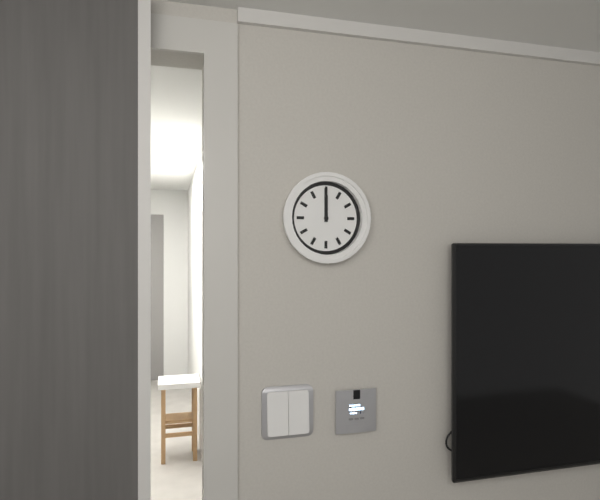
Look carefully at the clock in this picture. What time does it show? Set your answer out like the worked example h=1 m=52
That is h=12 m=0
